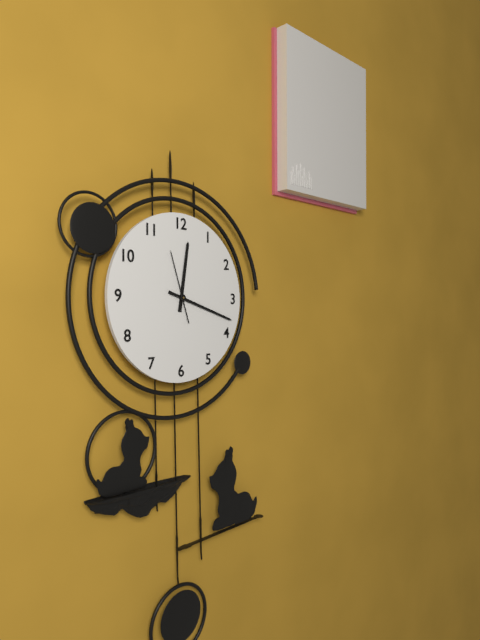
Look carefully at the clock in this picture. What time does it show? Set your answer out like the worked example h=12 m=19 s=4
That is h=12 m=18 s=57
